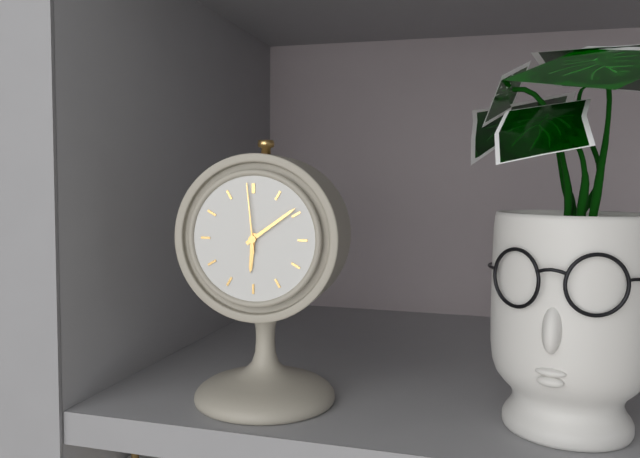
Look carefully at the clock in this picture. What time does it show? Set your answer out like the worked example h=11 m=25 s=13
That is h=6 m=9 s=59
